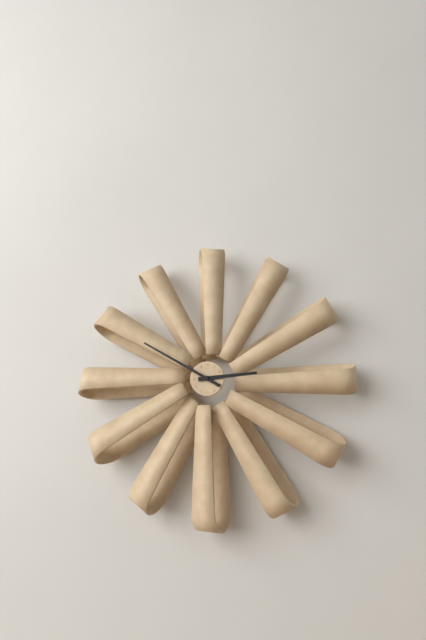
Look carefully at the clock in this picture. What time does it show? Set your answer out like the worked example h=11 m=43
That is h=2 m=50
